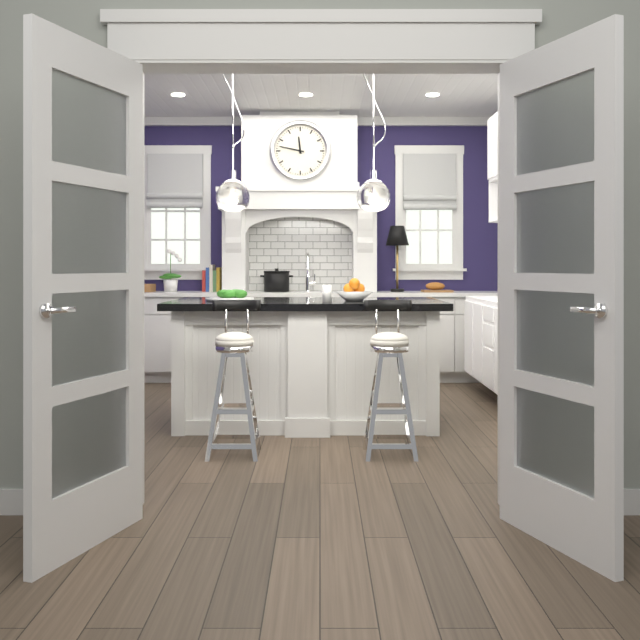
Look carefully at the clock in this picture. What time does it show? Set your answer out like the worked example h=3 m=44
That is h=11 m=47
